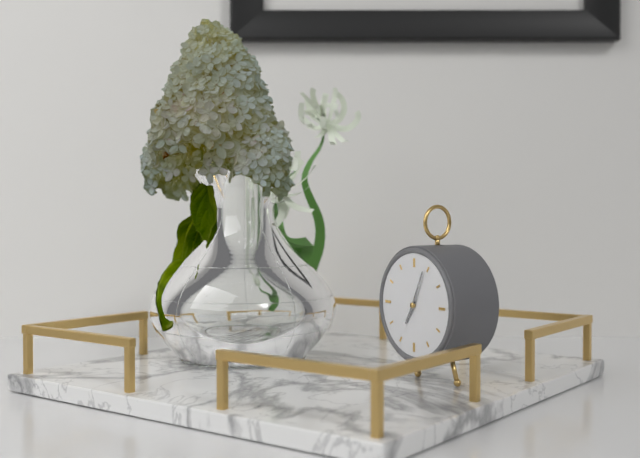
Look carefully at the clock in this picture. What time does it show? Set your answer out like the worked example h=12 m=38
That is h=7 m=4
